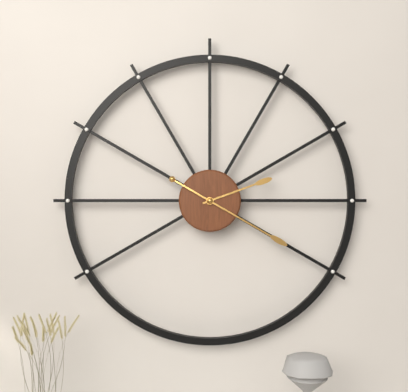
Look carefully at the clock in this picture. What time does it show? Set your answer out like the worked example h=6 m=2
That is h=2 m=20
